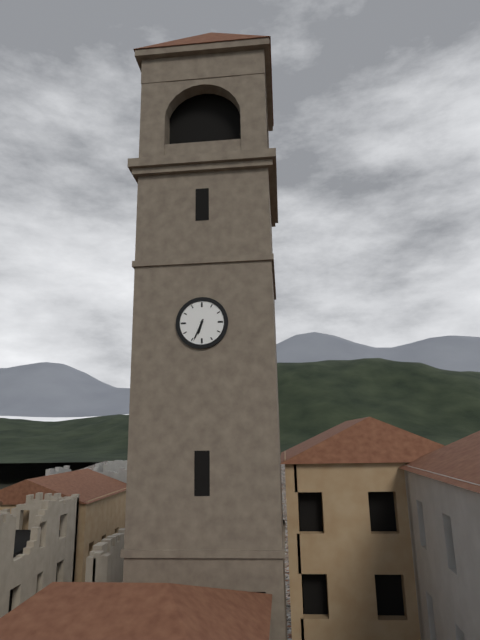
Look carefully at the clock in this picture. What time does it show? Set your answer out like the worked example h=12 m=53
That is h=6 m=34
